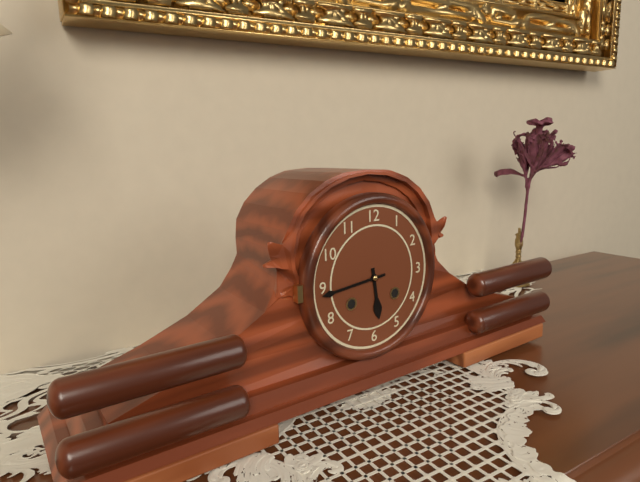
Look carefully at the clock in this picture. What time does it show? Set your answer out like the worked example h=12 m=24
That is h=5 m=44
